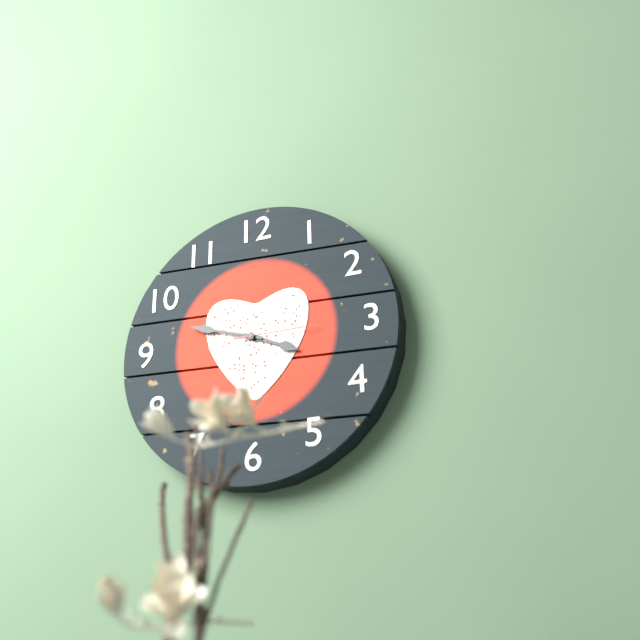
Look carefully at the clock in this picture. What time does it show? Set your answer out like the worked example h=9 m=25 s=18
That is h=3 m=48 s=15
